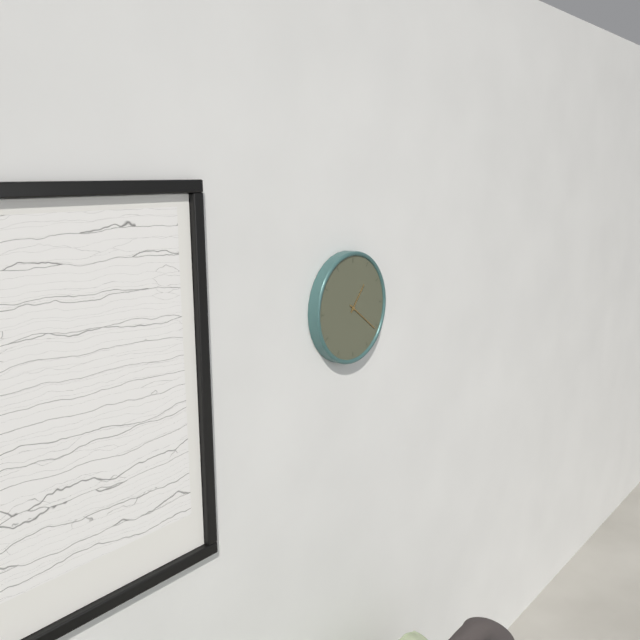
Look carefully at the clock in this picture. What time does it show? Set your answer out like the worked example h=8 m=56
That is h=1 m=21
